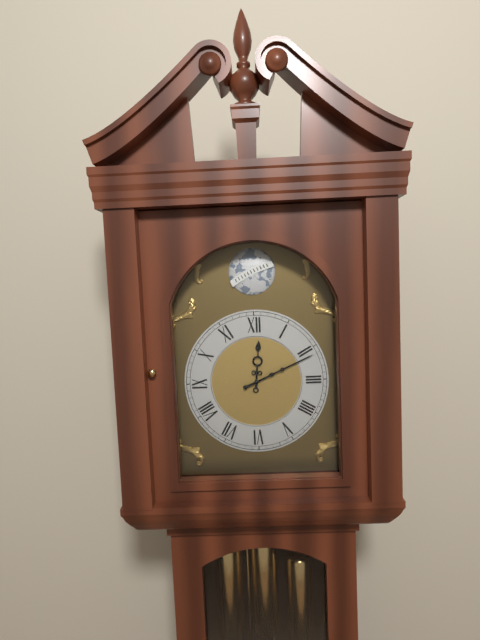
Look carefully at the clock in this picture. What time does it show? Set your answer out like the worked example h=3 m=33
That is h=12 m=11
